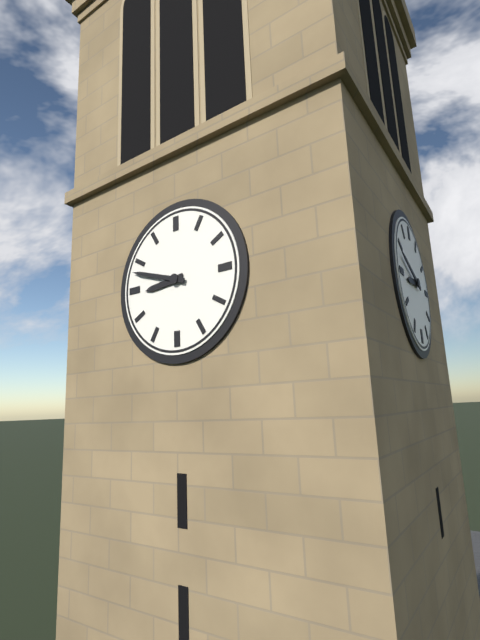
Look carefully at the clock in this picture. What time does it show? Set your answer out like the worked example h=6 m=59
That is h=8 m=48
